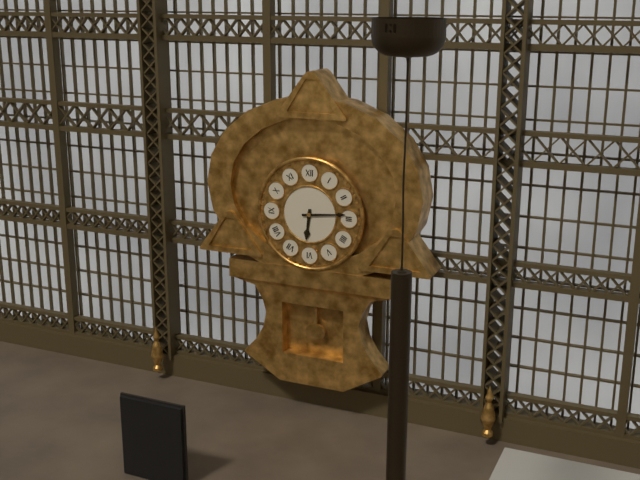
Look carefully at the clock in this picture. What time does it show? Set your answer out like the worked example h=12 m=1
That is h=6 m=14
